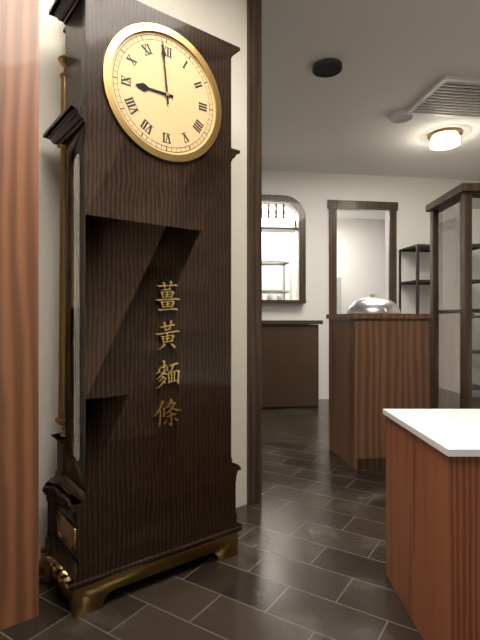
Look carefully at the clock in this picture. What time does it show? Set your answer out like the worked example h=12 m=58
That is h=8 m=59
